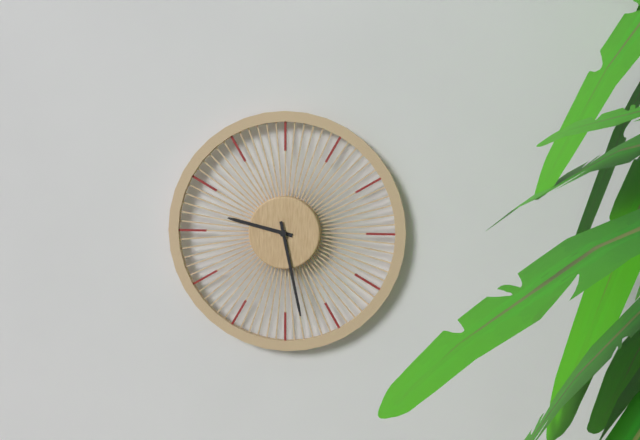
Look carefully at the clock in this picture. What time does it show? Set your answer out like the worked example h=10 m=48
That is h=9 m=28
